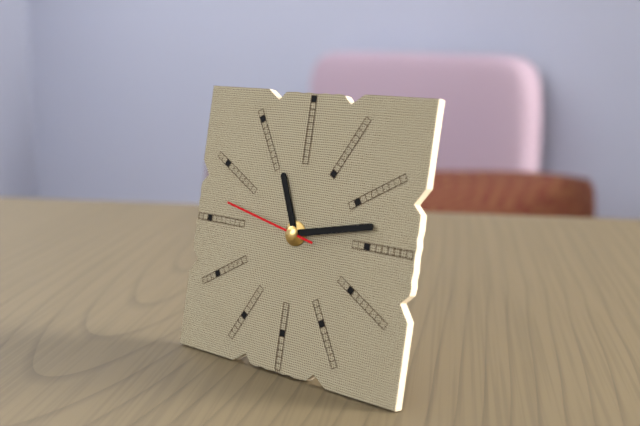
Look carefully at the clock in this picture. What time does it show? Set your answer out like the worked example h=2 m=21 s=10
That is h=11 m=13 s=47
